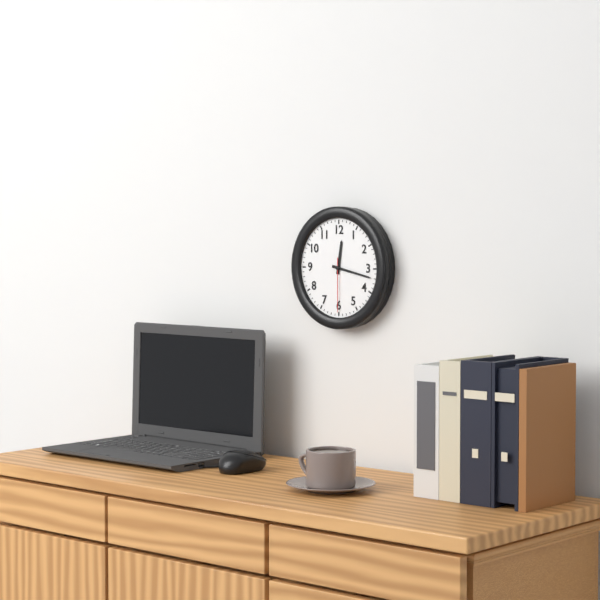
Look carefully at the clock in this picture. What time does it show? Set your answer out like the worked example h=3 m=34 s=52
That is h=12 m=17 s=30
